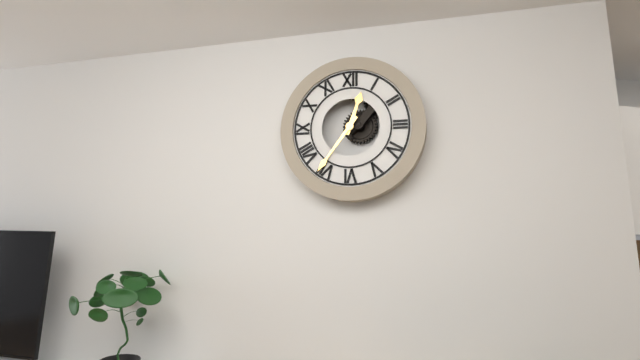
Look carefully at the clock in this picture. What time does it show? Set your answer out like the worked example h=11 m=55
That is h=12 m=36
